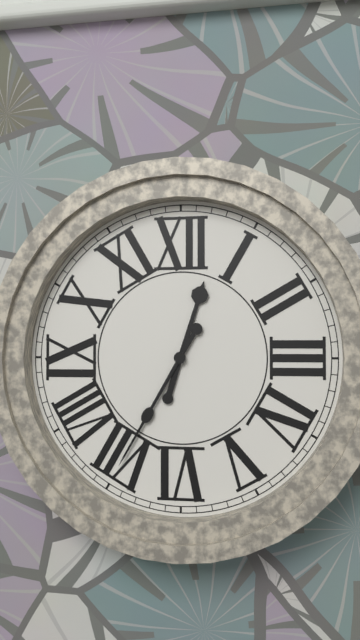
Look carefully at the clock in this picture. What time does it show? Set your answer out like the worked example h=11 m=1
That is h=12 m=35
